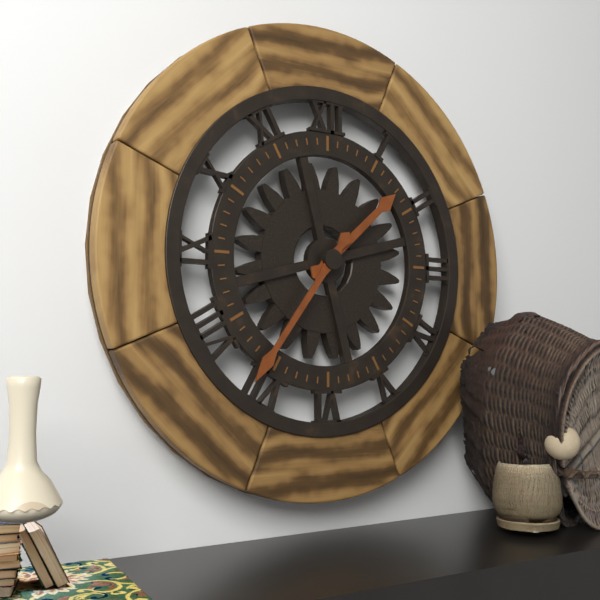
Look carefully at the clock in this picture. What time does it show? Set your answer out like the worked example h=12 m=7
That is h=1 m=36
